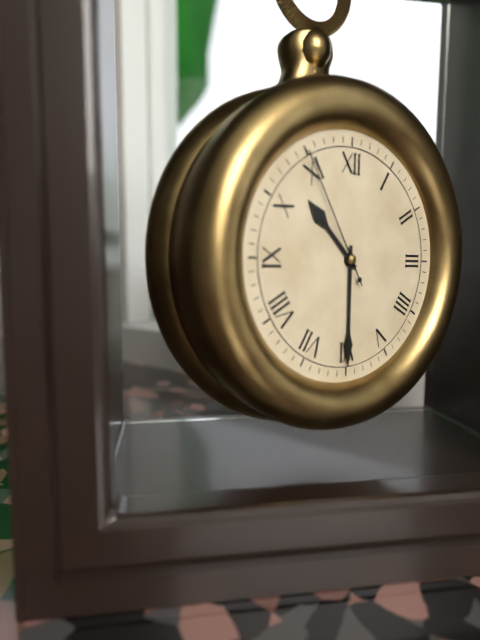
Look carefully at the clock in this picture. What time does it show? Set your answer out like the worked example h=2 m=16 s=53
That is h=10 m=30 s=55
